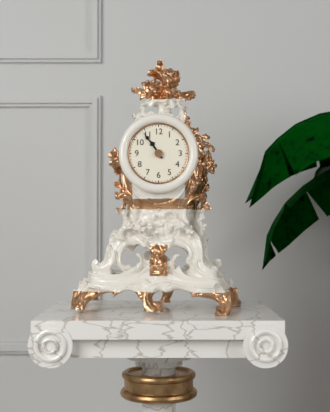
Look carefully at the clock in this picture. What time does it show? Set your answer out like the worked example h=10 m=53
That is h=10 m=54
